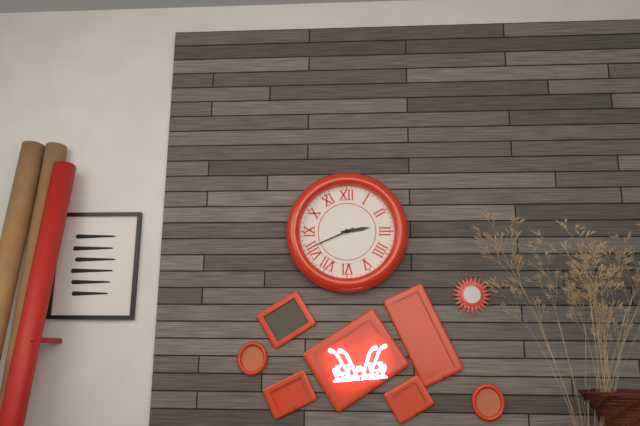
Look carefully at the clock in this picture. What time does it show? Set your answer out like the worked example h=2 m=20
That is h=2 m=41
